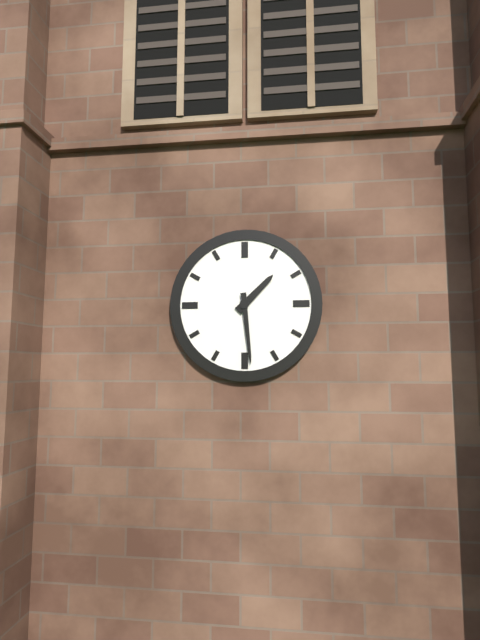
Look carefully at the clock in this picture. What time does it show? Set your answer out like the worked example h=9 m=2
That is h=1 m=29
